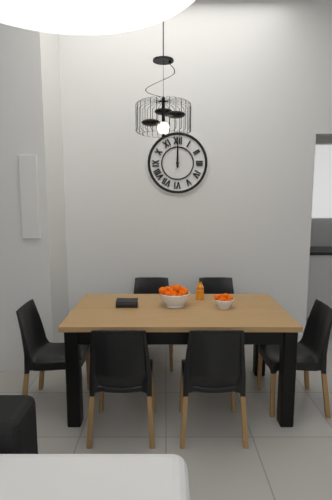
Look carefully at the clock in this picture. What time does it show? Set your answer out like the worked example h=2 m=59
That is h=12 m=0
